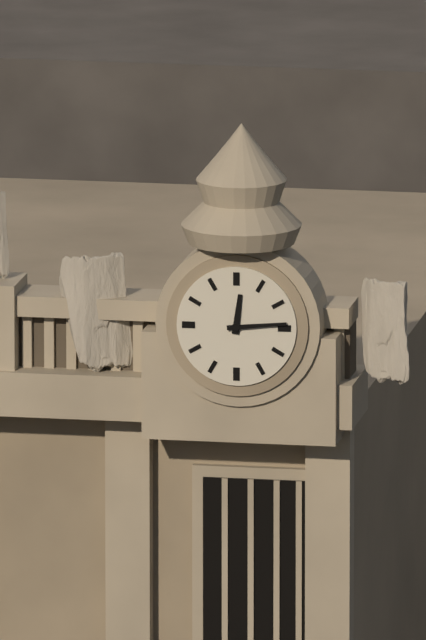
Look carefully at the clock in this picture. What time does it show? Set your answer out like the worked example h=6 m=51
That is h=12 m=14
